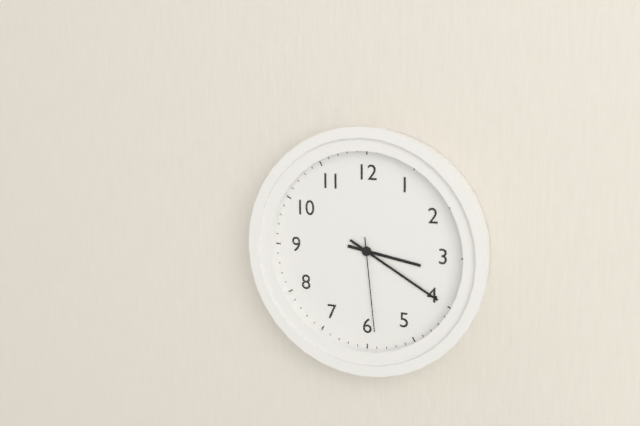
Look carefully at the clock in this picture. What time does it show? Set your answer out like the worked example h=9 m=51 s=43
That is h=3 m=20 s=29
